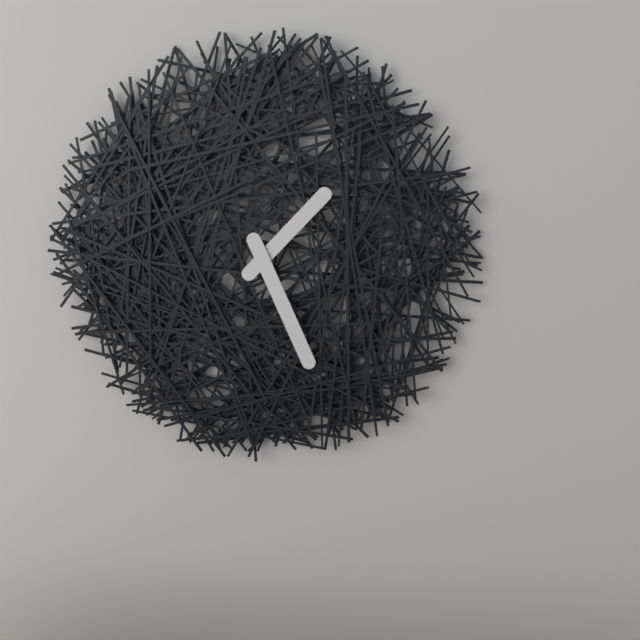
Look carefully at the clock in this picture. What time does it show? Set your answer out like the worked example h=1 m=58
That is h=1 m=26
